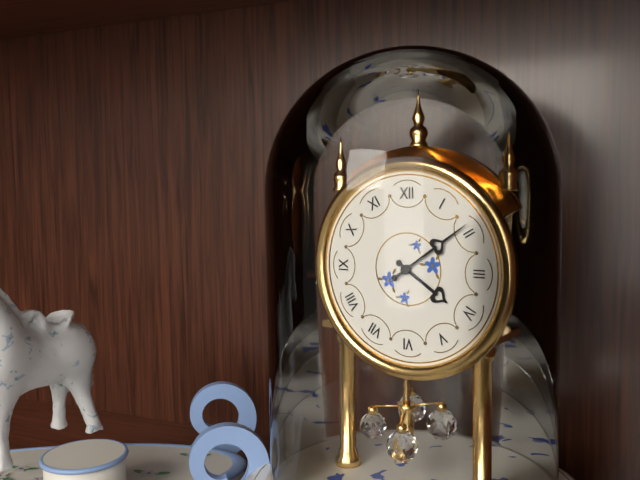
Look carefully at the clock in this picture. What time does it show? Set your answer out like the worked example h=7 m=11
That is h=4 m=9
